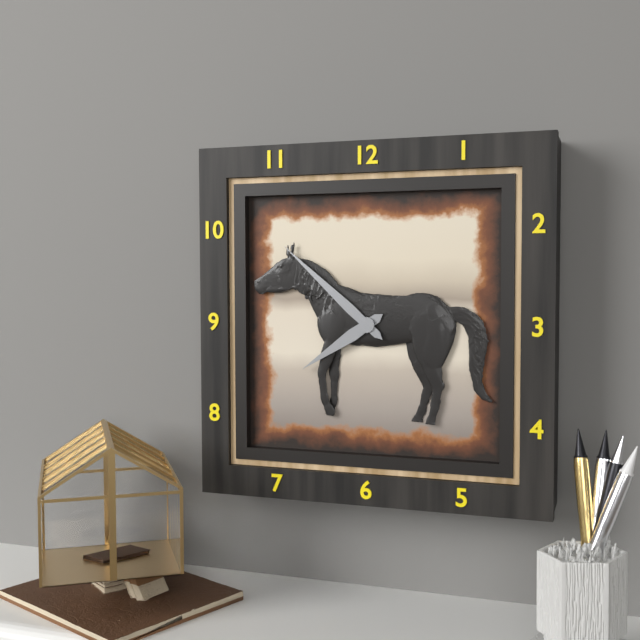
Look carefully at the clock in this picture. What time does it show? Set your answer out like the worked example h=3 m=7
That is h=7 m=52
